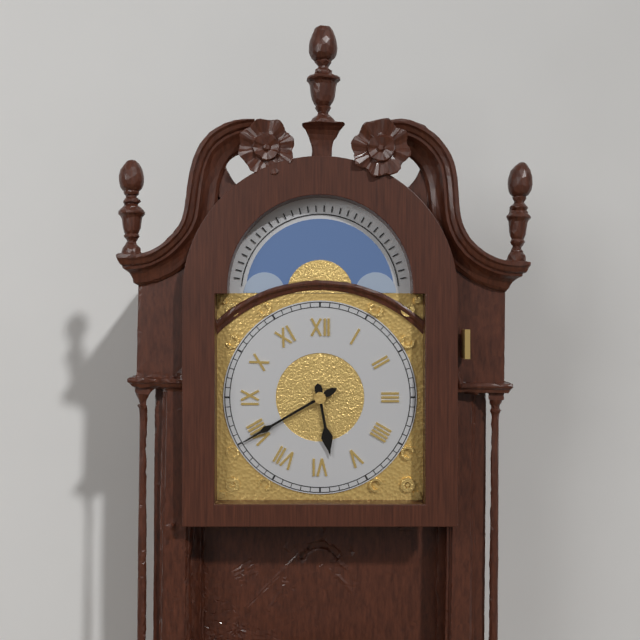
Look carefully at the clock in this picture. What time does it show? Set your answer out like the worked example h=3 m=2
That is h=5 m=40
